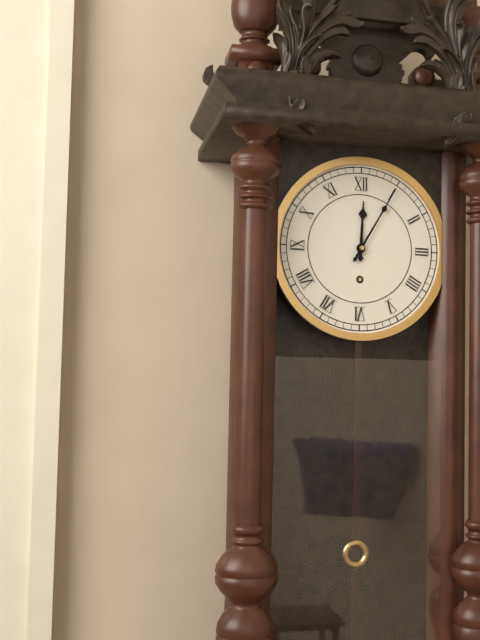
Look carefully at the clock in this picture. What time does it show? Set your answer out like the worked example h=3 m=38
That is h=12 m=5
